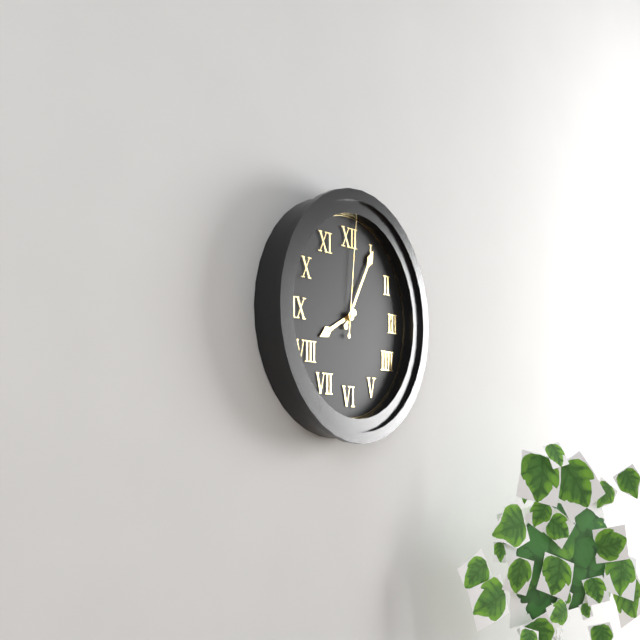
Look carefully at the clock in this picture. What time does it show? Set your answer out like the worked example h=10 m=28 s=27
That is h=8 m=5 s=1
